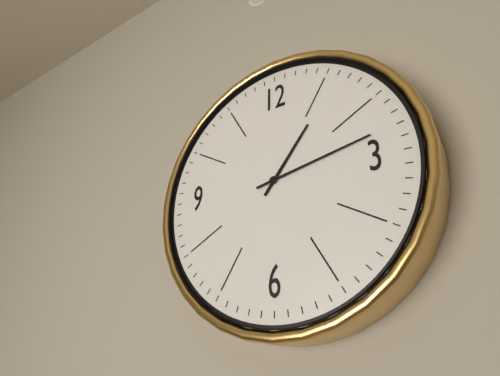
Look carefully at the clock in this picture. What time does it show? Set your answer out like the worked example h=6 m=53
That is h=1 m=13
